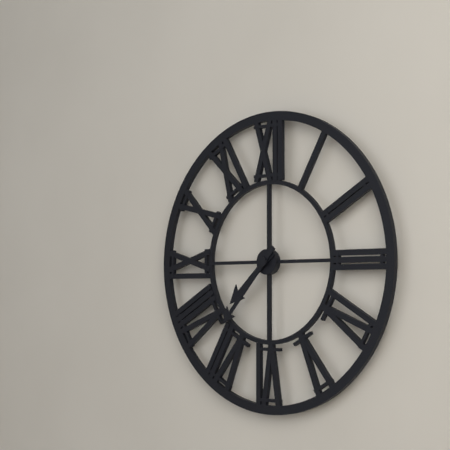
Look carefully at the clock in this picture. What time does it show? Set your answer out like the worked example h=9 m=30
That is h=7 m=37
